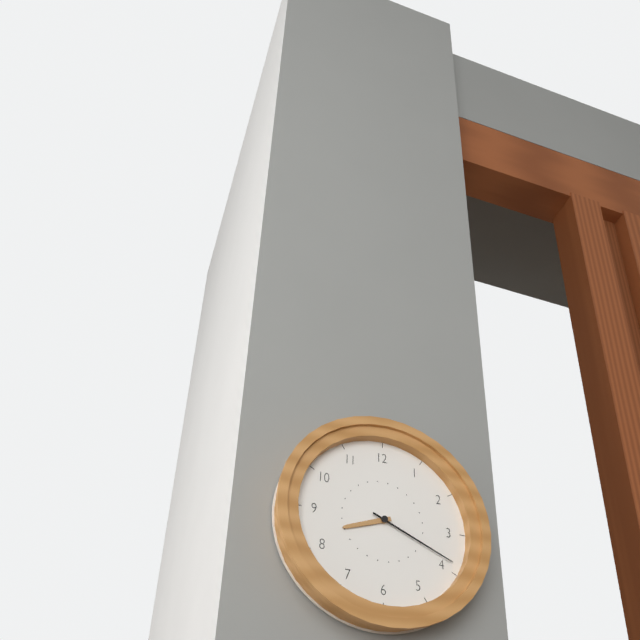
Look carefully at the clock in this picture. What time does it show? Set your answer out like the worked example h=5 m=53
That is h=8 m=19
